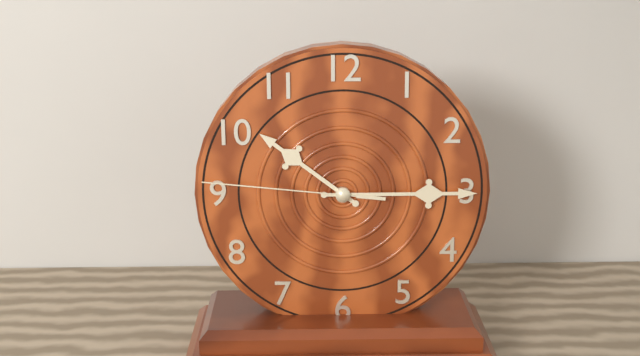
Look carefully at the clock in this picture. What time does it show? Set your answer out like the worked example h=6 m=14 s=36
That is h=10 m=15 s=46
